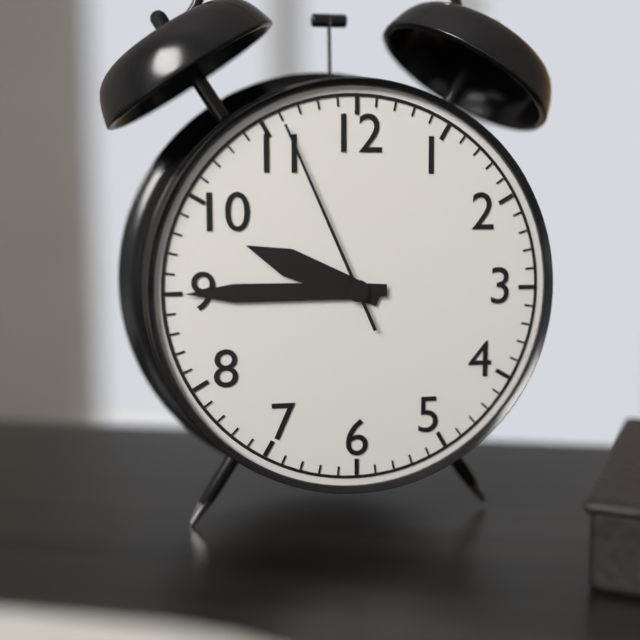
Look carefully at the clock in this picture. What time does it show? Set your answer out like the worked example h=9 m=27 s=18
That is h=9 m=45 s=56
